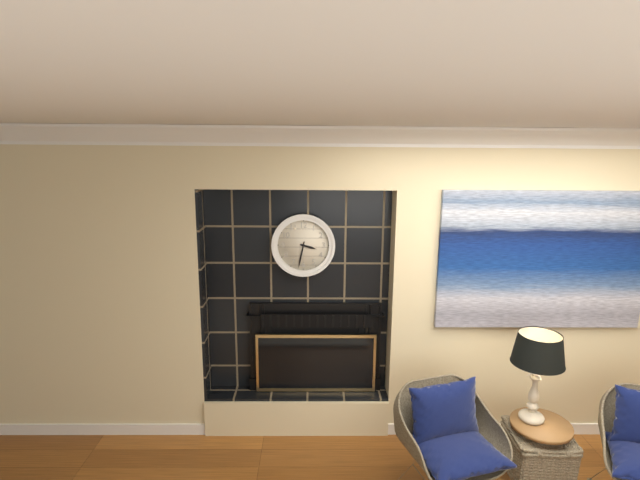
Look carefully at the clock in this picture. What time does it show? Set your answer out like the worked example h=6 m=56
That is h=3 m=32
